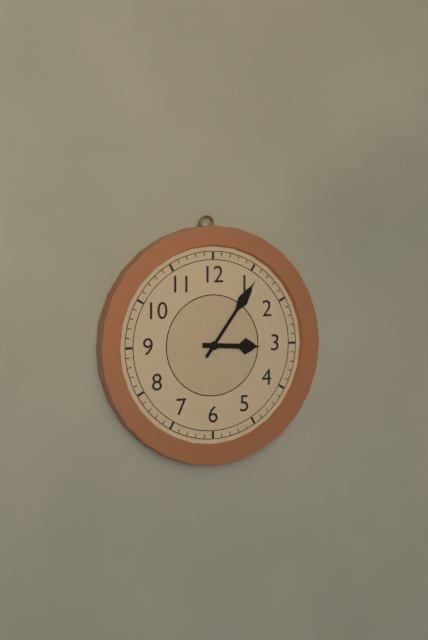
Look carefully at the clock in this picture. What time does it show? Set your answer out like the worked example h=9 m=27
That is h=3 m=6
